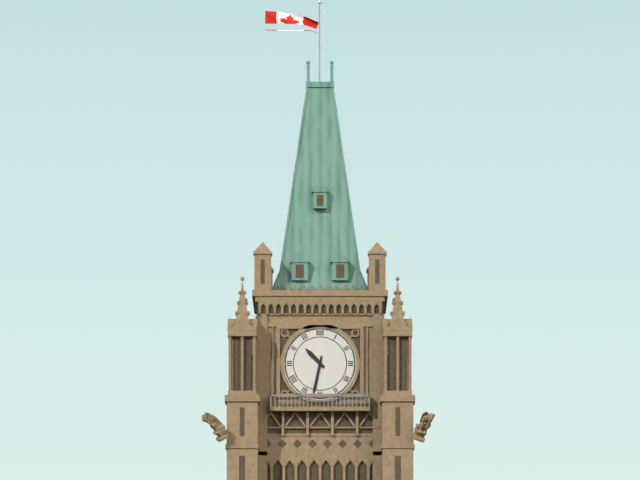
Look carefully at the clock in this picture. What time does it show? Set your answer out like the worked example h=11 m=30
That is h=10 m=32
